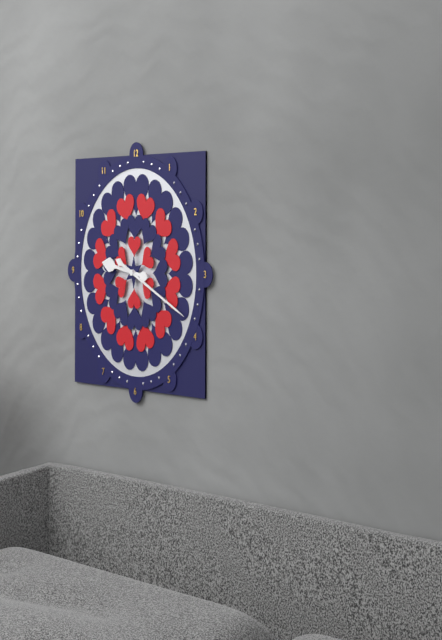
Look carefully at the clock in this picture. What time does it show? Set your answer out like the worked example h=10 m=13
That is h=9 m=19
